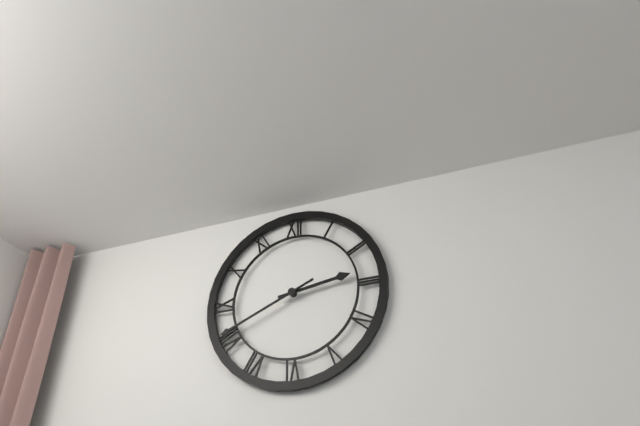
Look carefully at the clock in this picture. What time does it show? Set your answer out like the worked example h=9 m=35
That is h=2 m=41
